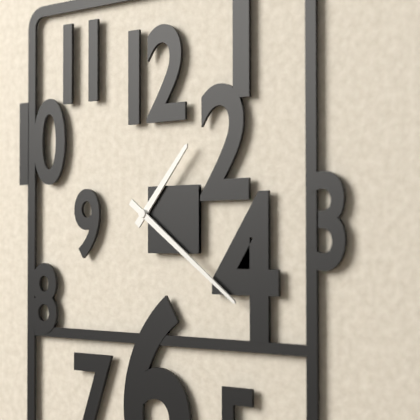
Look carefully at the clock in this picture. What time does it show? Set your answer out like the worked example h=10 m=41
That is h=1 m=21
